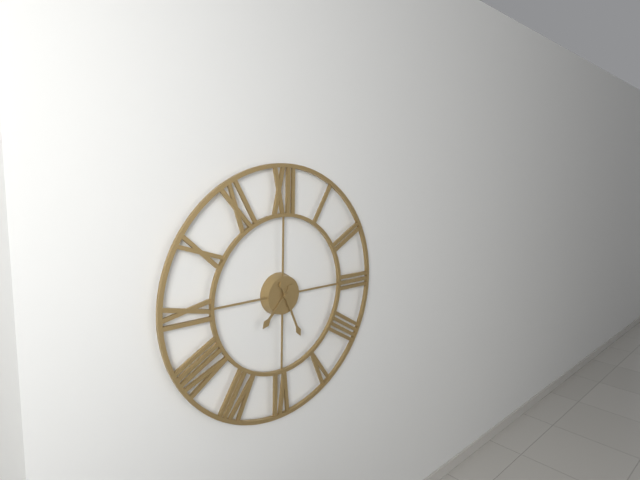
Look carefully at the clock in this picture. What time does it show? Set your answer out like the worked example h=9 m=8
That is h=7 m=26
